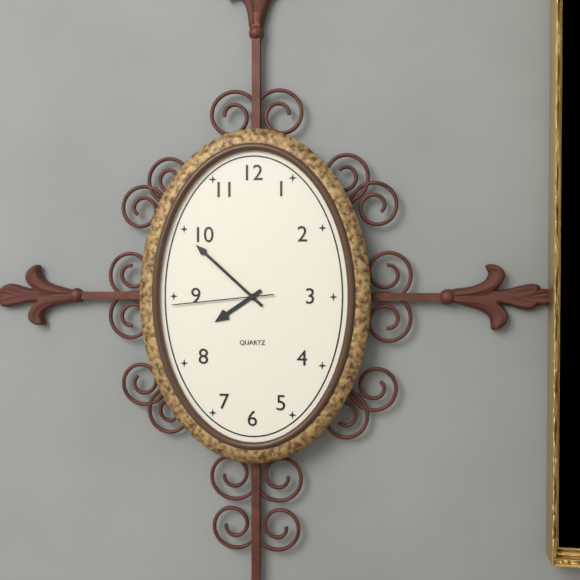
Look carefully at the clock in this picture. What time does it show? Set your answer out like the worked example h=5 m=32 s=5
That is h=7 m=52 s=44
